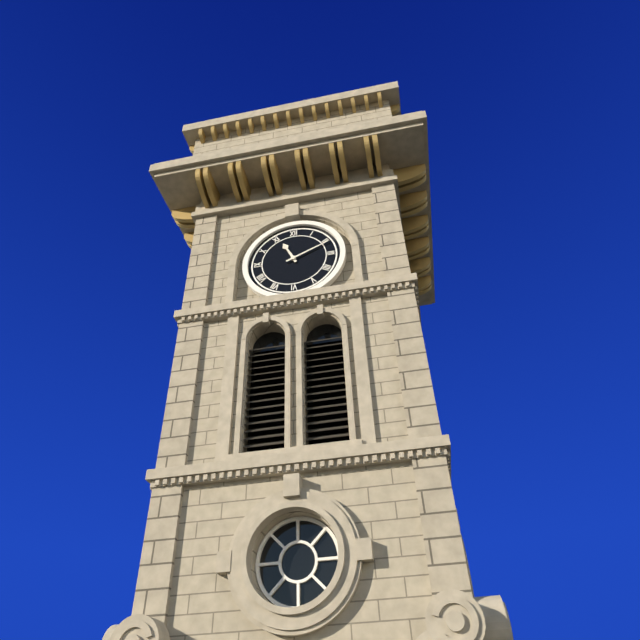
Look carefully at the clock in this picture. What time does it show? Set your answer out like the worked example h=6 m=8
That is h=11 m=11
